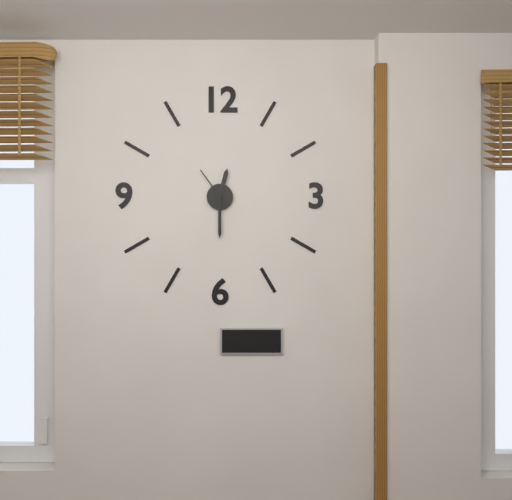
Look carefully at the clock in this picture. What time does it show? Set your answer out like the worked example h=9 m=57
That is h=12 m=30
